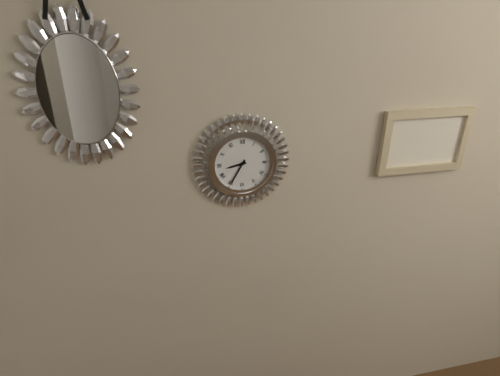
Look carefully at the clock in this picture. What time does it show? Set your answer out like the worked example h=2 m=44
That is h=8 m=35
